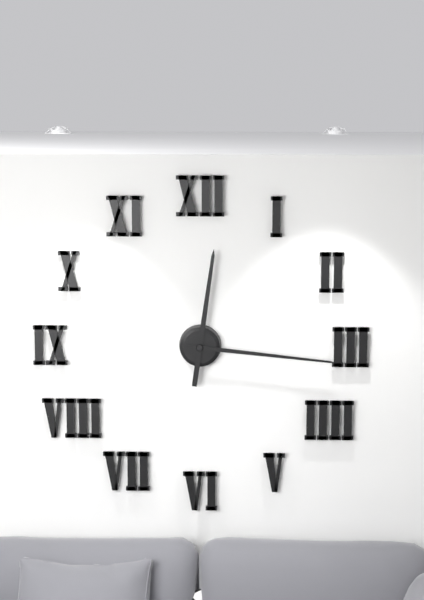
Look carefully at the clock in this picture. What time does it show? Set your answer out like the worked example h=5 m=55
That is h=12 m=16
